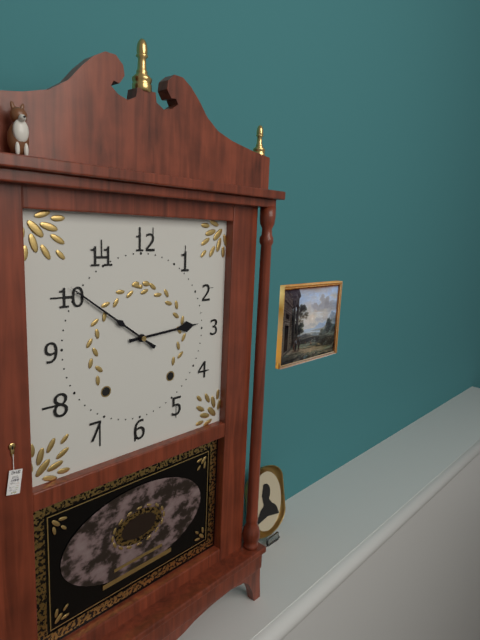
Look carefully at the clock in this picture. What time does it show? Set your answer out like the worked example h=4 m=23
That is h=2 m=51
